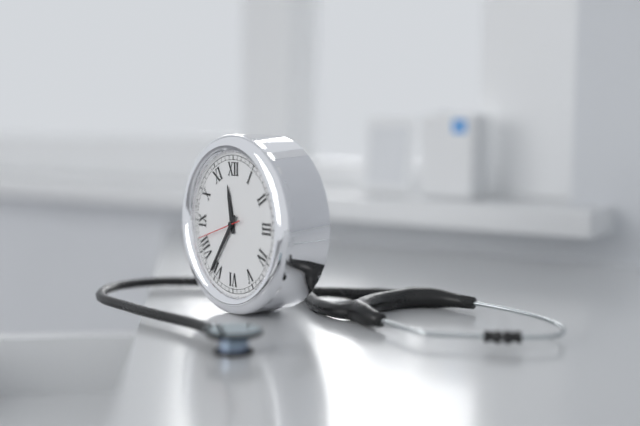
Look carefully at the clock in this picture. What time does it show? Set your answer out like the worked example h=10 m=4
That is h=11 m=36
